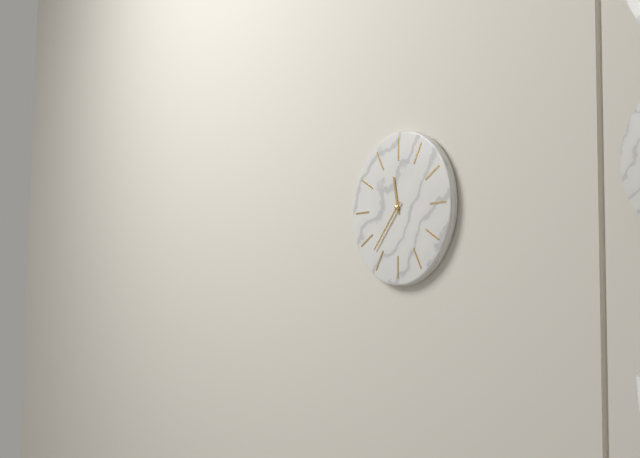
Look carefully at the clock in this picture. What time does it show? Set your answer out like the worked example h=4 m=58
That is h=11 m=37
